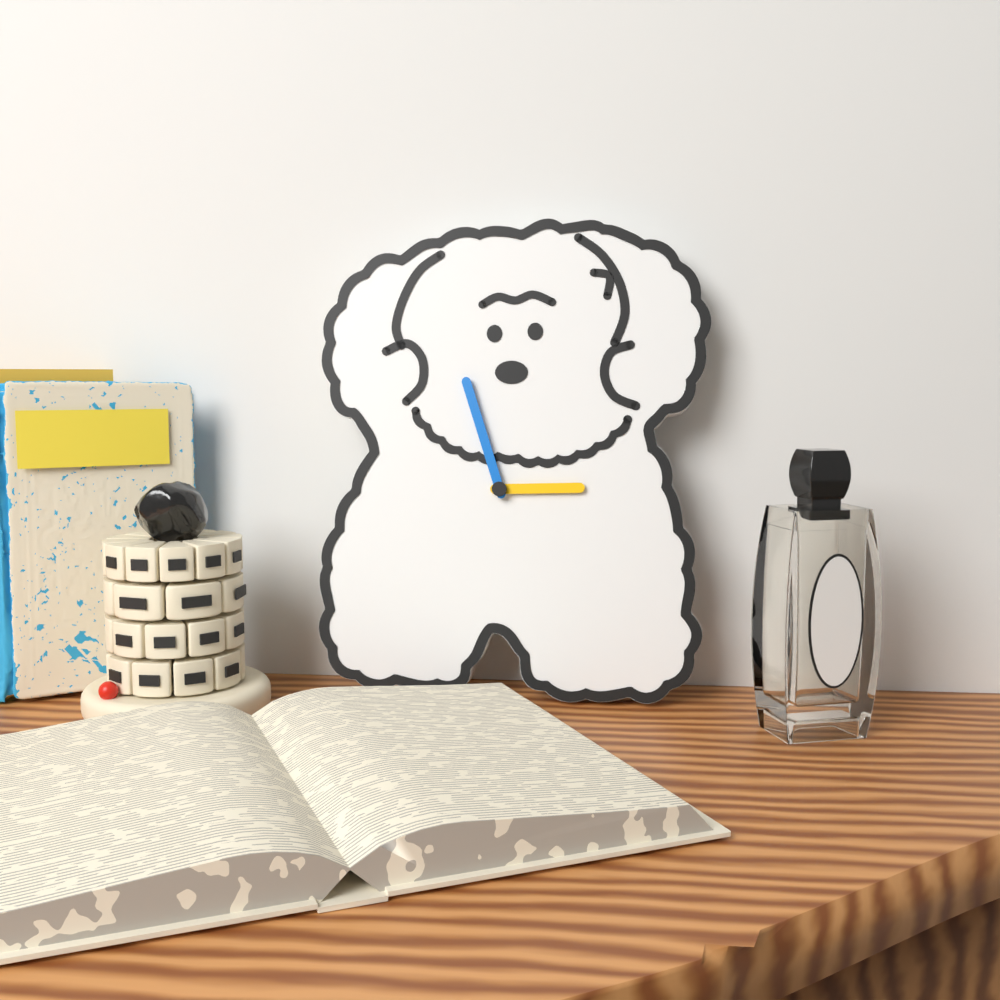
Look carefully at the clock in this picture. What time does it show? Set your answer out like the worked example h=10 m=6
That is h=2 m=57
